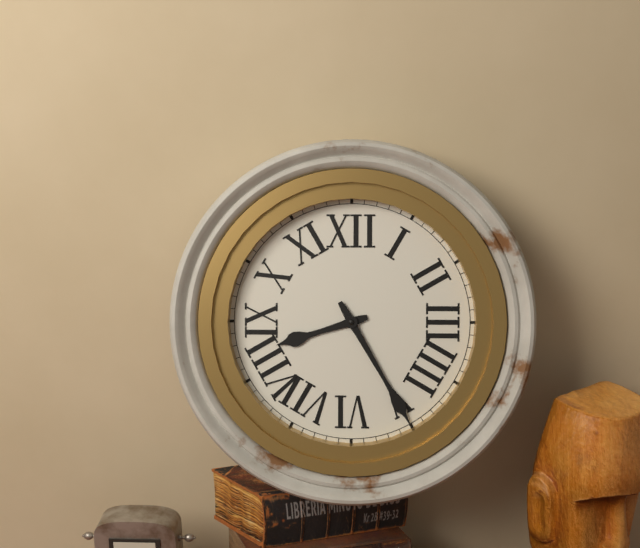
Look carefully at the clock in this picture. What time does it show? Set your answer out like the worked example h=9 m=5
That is h=8 m=25
